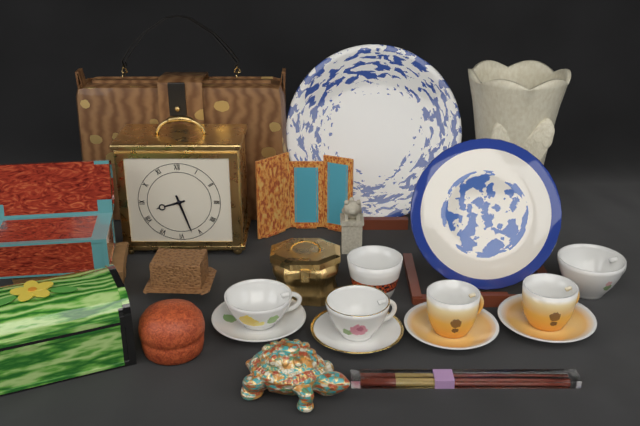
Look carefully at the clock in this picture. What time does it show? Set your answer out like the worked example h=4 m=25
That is h=8 m=27
